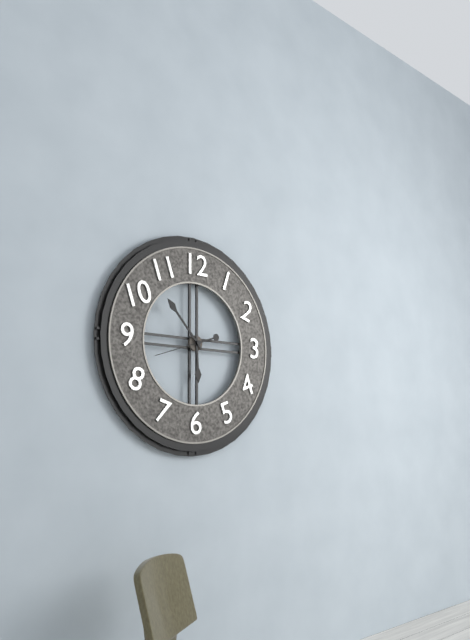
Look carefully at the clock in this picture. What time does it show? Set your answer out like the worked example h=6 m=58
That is h=5 m=53
